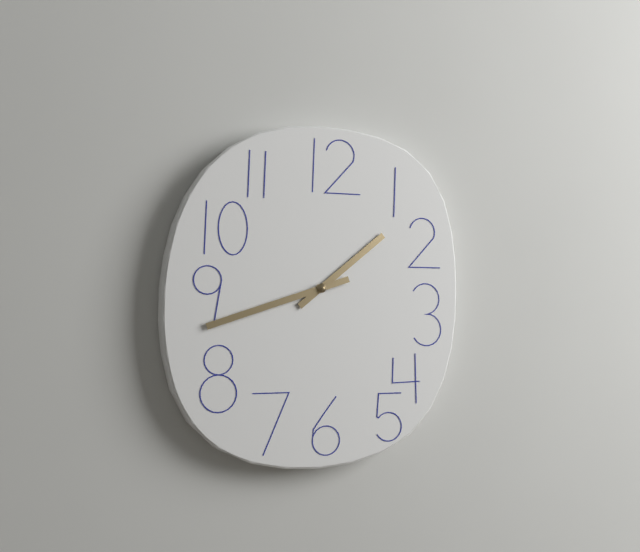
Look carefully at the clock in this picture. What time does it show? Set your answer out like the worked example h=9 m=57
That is h=1 m=42
